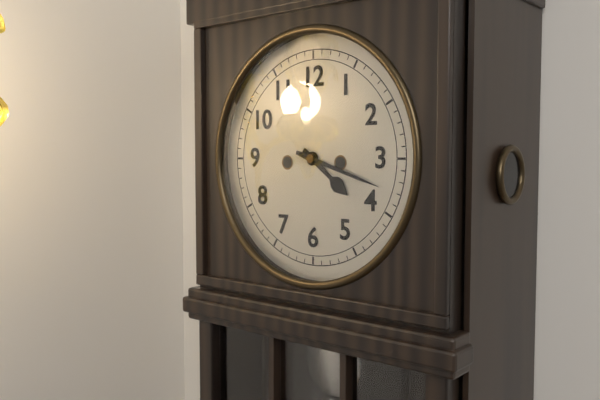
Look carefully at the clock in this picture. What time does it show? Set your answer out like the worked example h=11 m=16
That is h=4 m=18
